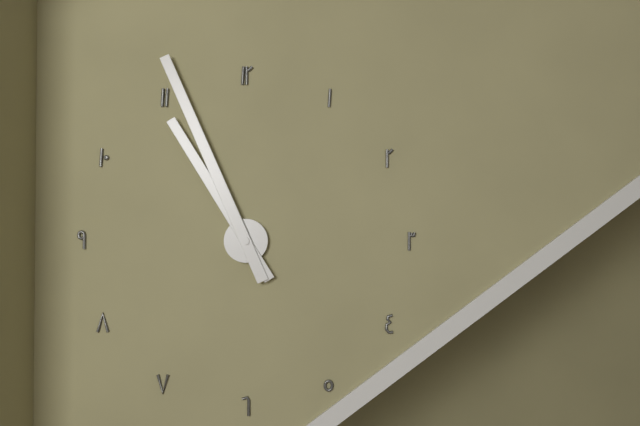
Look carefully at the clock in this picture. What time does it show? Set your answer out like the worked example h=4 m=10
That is h=10 m=56
